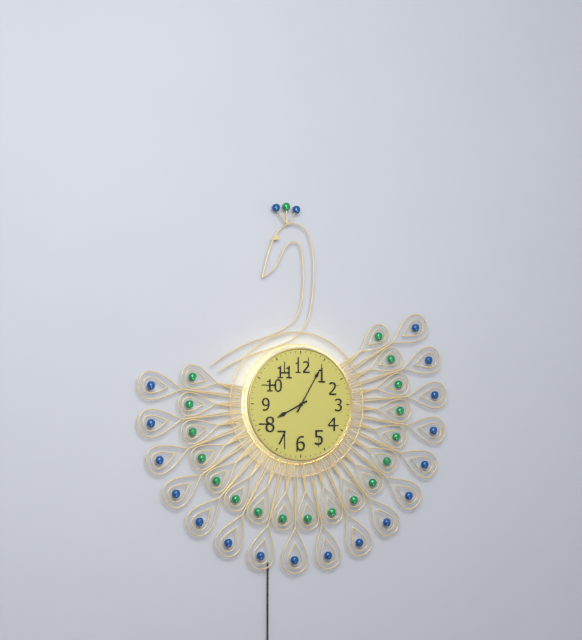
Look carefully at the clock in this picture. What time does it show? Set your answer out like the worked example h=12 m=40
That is h=8 m=5
